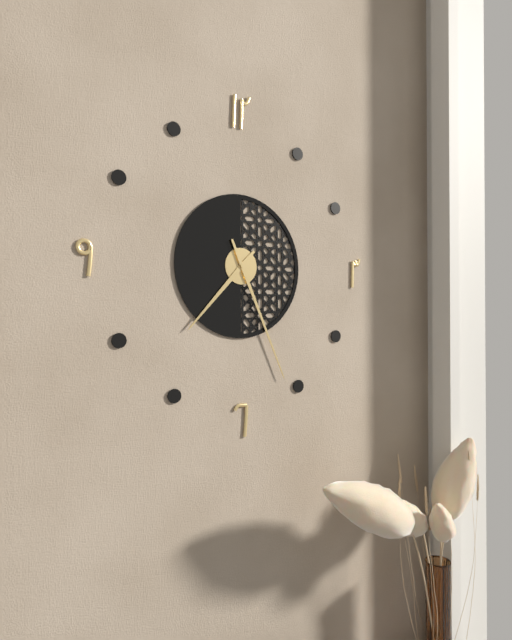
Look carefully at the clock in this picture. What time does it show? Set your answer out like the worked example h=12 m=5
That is h=7 m=26
